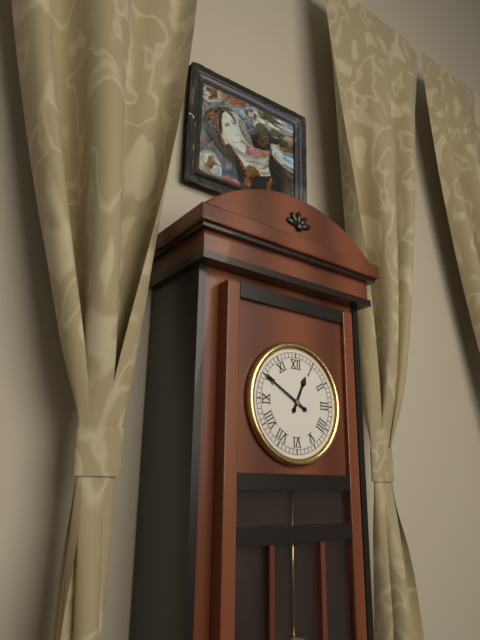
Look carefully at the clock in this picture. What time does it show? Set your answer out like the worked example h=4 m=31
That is h=12 m=50
